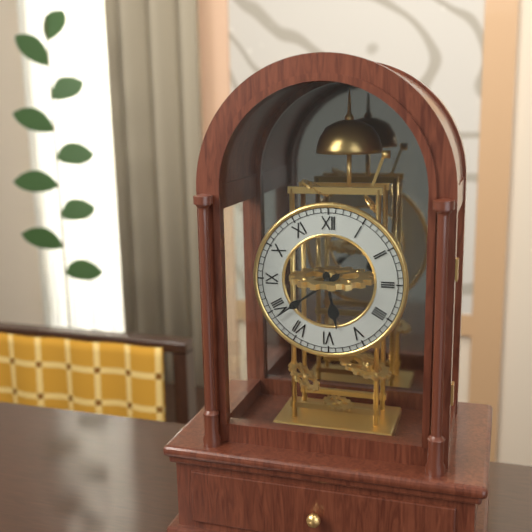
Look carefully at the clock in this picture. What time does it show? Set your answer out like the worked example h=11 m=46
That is h=5 m=39
